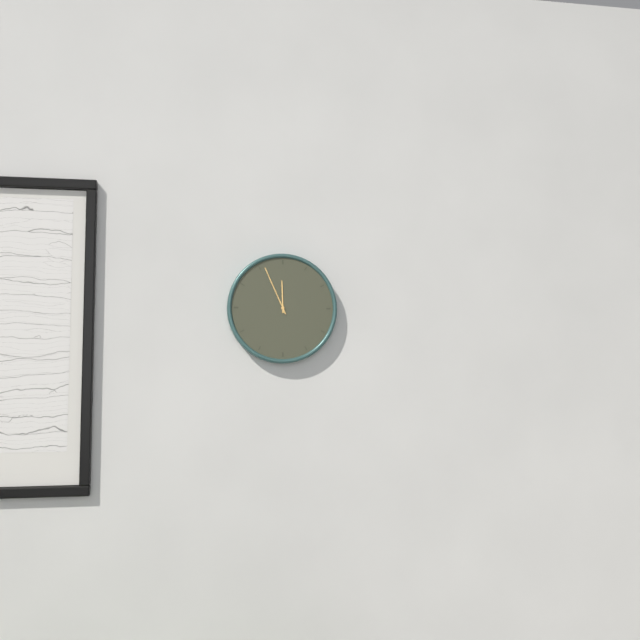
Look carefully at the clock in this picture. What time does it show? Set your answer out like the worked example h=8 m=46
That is h=11 m=56
